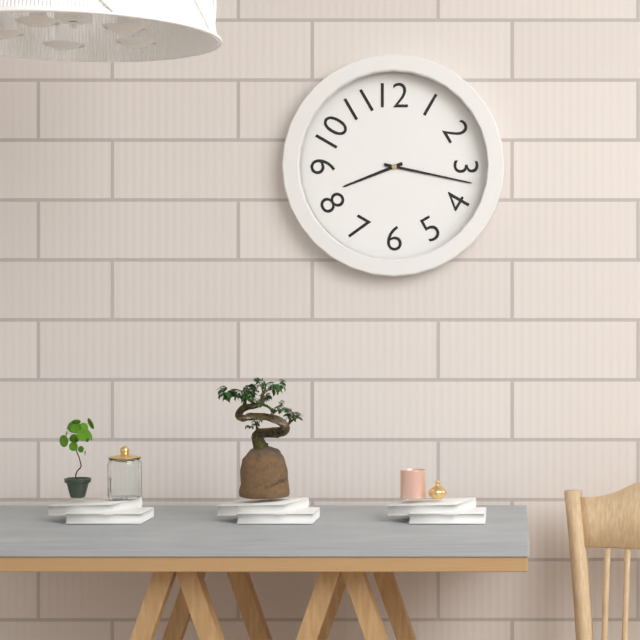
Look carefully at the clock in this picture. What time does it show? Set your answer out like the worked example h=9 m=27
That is h=8 m=17
